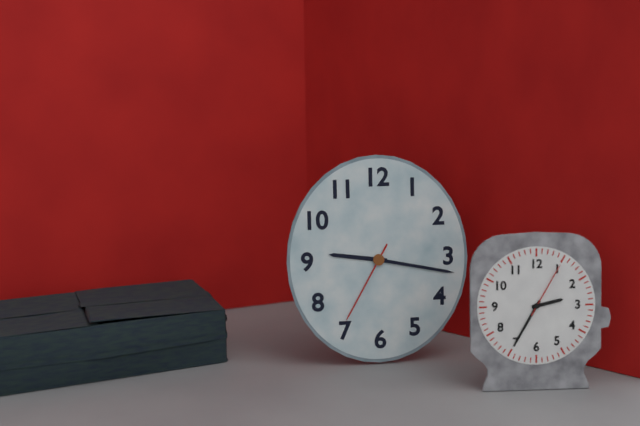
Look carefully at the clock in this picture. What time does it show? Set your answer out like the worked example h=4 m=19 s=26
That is h=9 m=17 s=35
